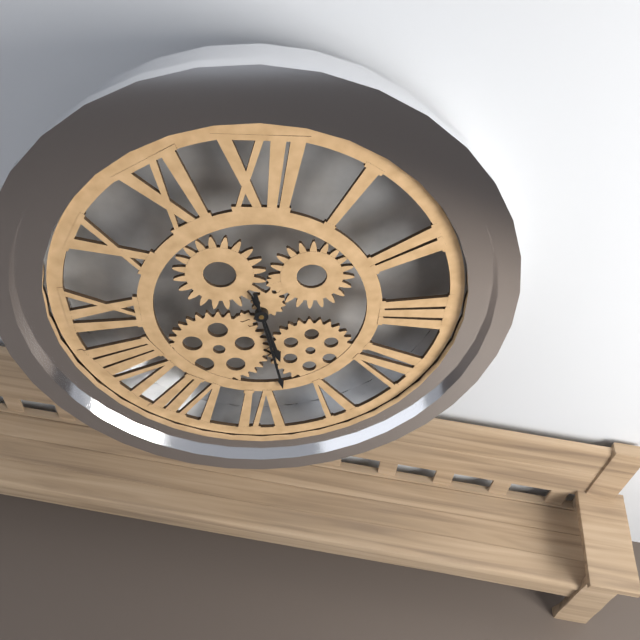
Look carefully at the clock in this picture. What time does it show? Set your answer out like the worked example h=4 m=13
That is h=5 m=28
